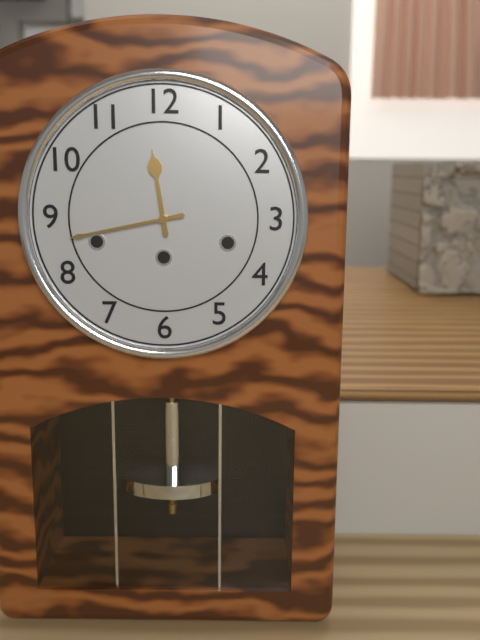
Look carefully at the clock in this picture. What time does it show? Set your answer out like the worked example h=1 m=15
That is h=11 m=43
